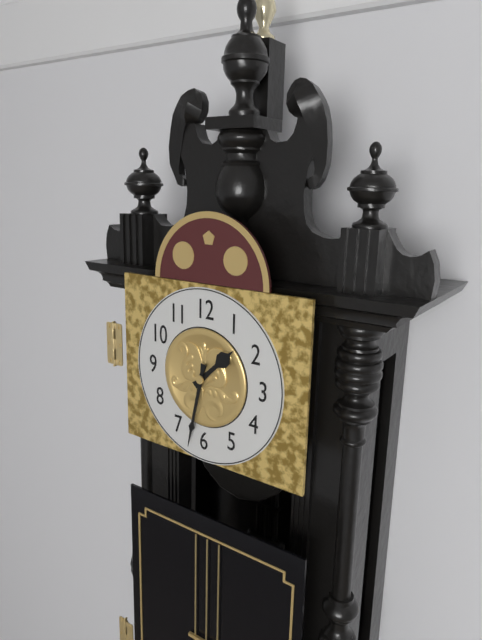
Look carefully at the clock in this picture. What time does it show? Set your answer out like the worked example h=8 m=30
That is h=1 m=32
